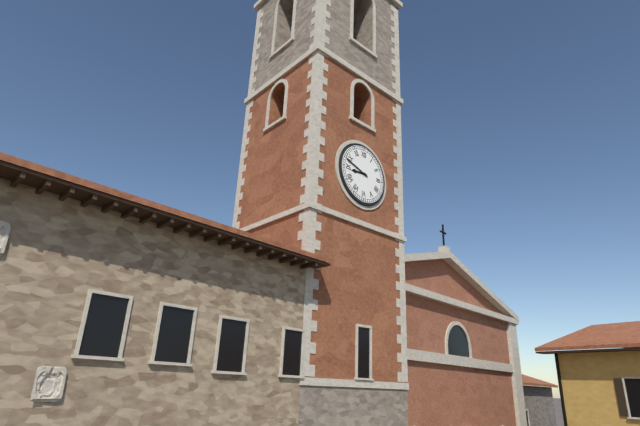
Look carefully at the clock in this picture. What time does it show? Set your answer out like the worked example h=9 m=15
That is h=8 m=48
